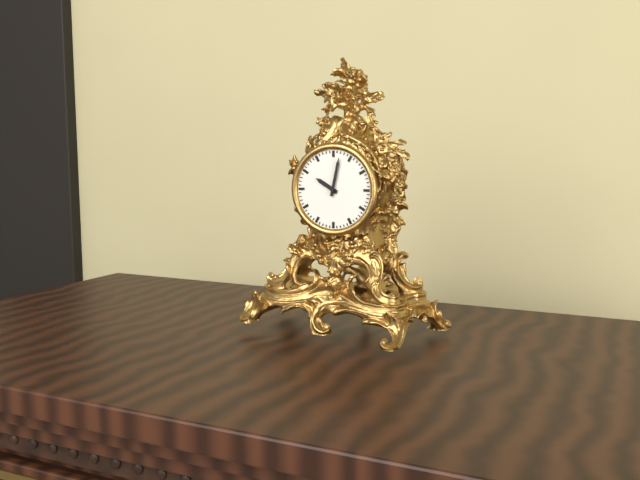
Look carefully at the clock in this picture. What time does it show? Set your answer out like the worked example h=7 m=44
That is h=10 m=2
